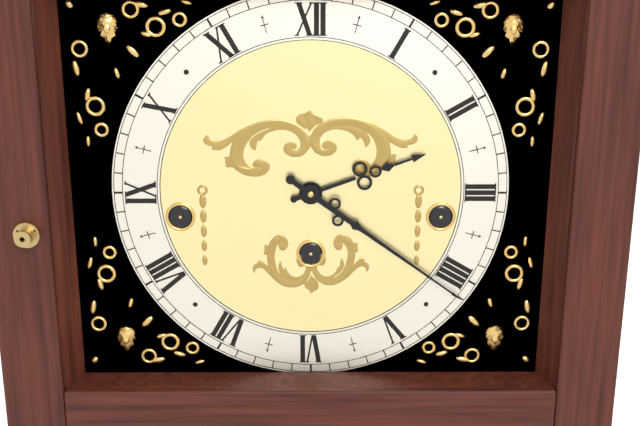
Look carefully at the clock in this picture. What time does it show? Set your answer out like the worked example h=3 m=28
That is h=2 m=21
